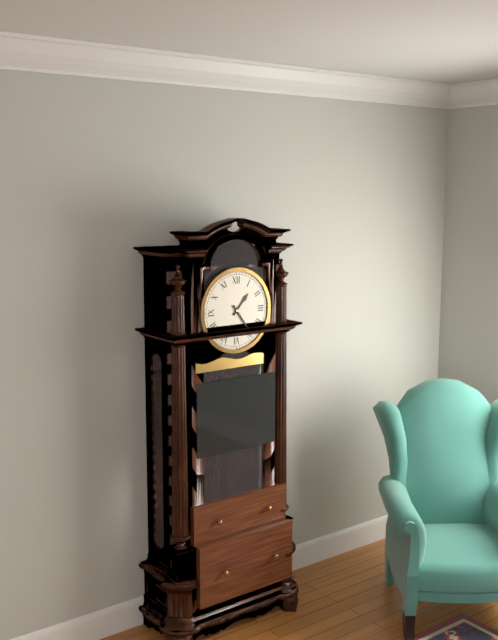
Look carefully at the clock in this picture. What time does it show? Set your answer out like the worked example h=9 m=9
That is h=1 m=24
